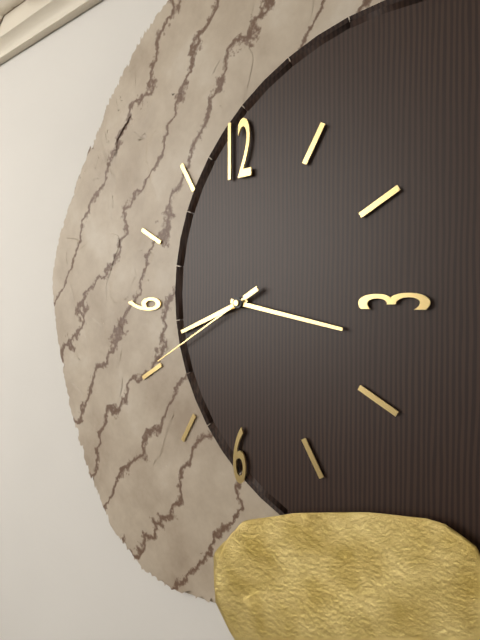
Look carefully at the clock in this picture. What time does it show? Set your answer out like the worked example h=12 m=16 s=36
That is h=8 m=17 s=40
